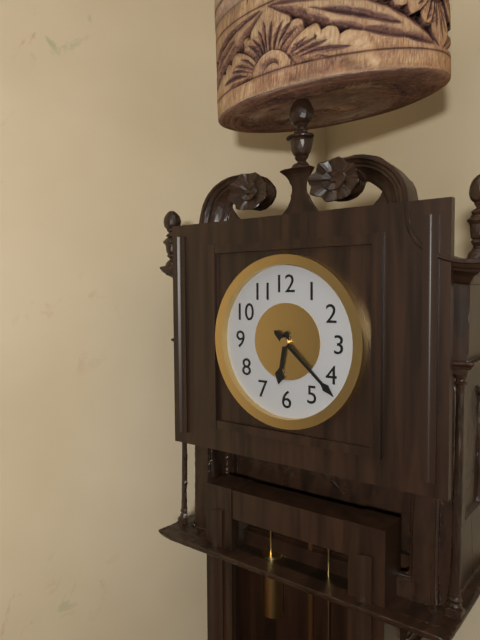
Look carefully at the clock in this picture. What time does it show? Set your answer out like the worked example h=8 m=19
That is h=6 m=22
